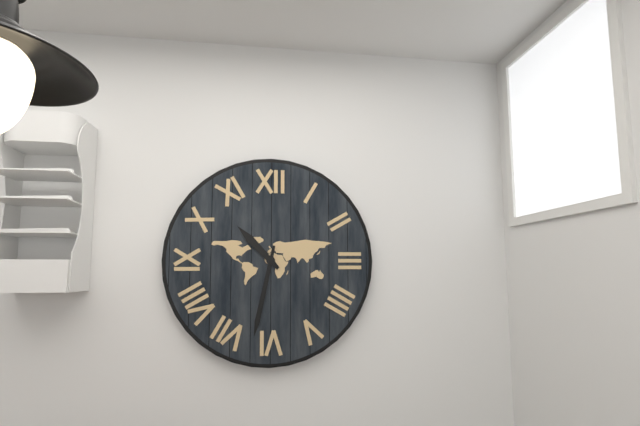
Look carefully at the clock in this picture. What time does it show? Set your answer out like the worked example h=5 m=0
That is h=10 m=32
